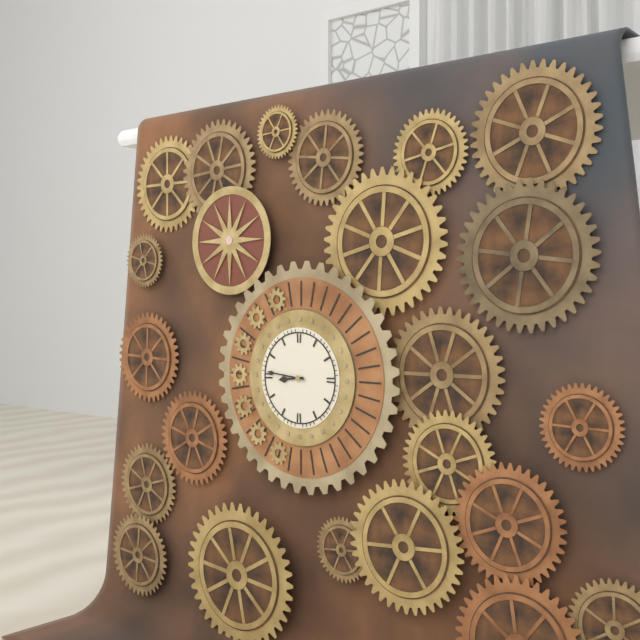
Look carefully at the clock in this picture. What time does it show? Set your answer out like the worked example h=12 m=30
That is h=8 m=46
